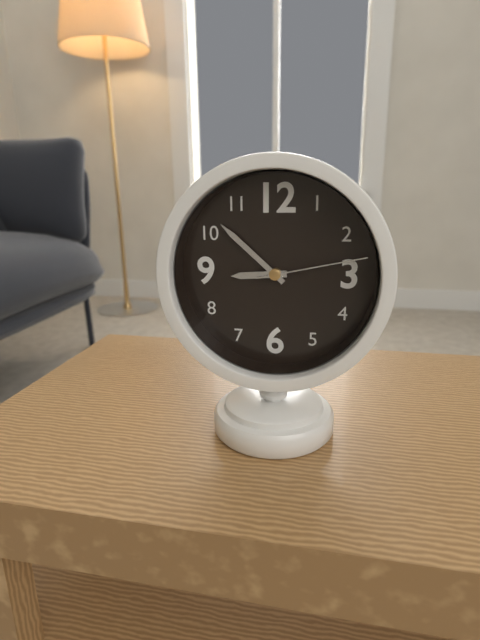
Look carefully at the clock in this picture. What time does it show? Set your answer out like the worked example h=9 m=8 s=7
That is h=8 m=52 s=13
